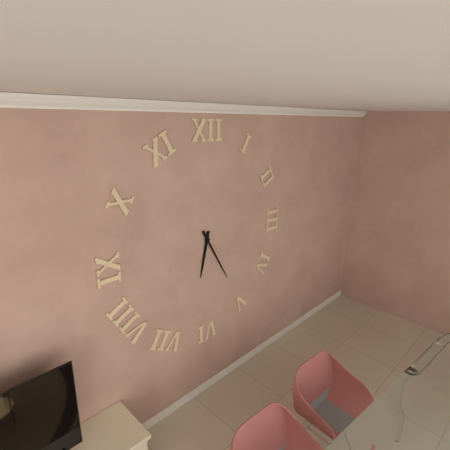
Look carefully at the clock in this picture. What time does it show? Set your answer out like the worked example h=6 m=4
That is h=6 m=25
